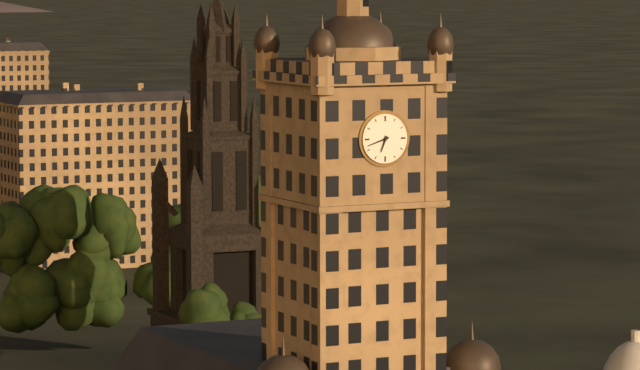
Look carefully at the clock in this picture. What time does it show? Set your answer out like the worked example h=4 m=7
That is h=6 m=42
